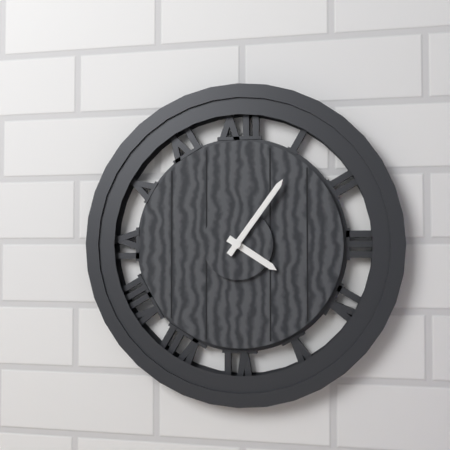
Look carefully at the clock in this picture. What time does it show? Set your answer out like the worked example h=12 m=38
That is h=4 m=6
